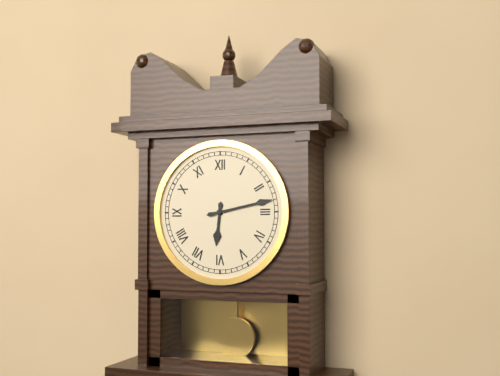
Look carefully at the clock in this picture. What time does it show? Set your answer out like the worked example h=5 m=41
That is h=6 m=13
